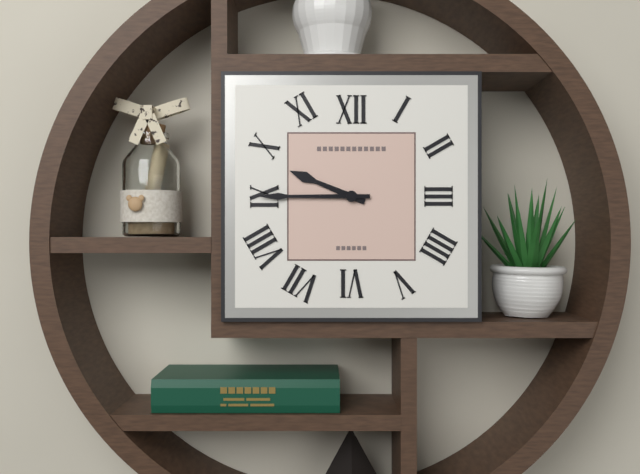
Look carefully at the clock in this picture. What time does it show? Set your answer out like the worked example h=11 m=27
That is h=9 m=45
